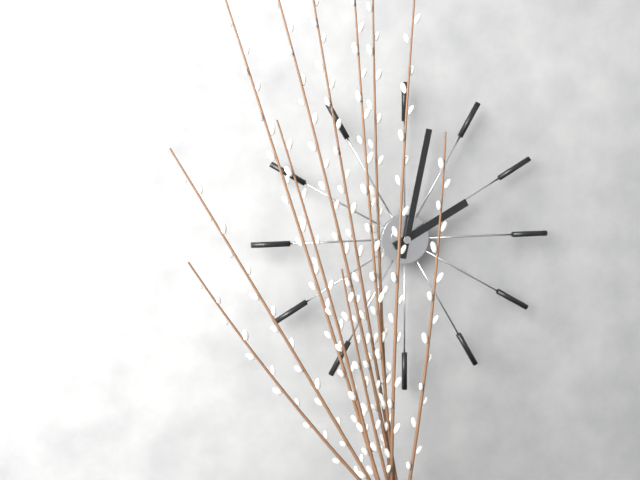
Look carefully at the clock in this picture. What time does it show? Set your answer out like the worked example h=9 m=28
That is h=2 m=2
